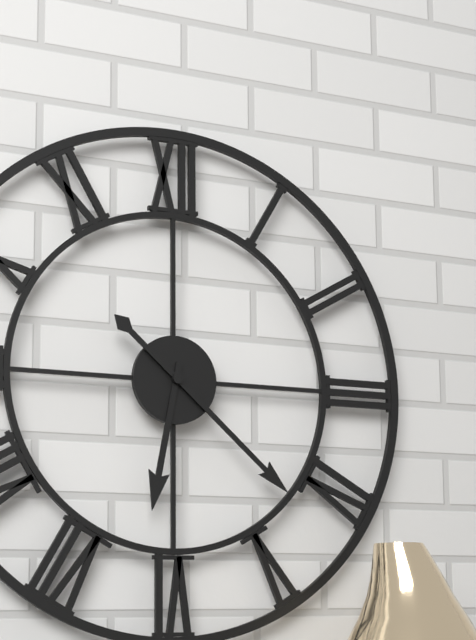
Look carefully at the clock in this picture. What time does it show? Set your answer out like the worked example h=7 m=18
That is h=6 m=22
